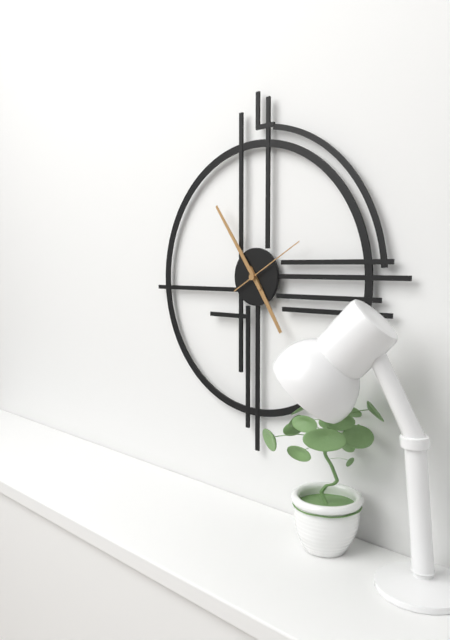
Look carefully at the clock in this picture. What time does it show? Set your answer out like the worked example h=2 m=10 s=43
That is h=4 m=54 s=10
